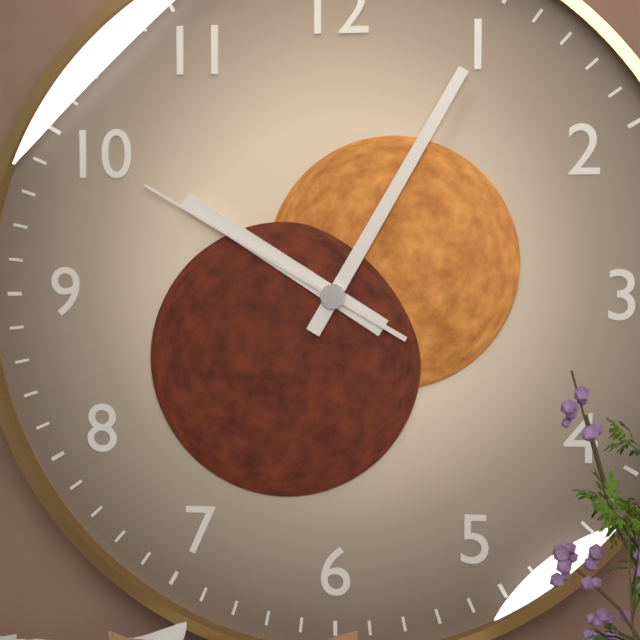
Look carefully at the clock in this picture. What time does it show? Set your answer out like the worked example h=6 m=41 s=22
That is h=10 m=5 s=50
